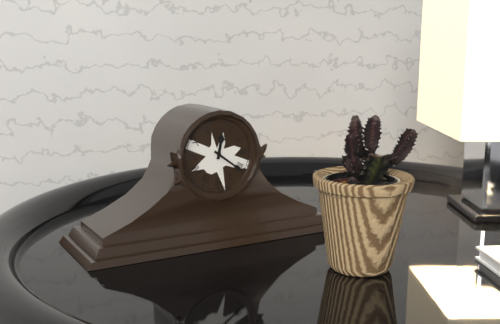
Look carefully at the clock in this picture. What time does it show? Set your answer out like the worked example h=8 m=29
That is h=12 m=21
